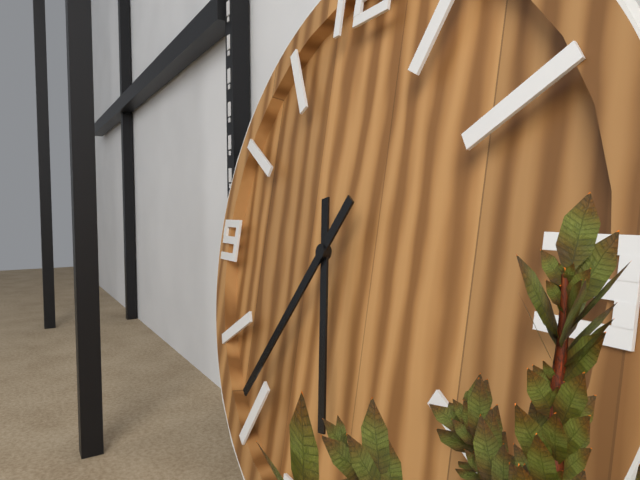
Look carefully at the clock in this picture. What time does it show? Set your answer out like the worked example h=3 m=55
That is h=5 m=36
